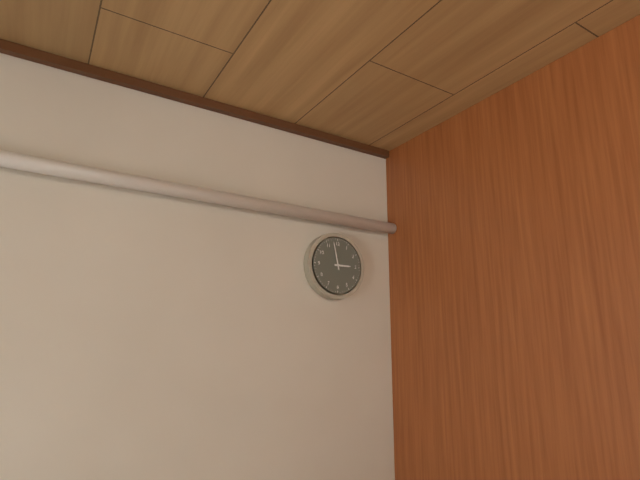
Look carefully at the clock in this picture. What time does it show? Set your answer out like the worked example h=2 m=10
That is h=2 m=58
